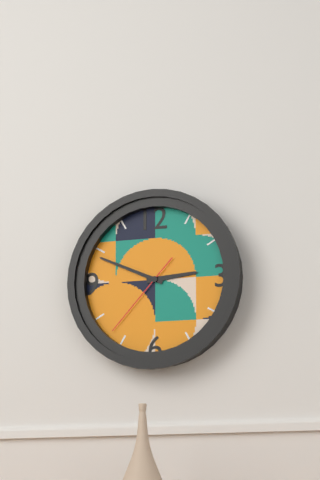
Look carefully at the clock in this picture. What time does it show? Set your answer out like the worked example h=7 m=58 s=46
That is h=2 m=49 s=37
